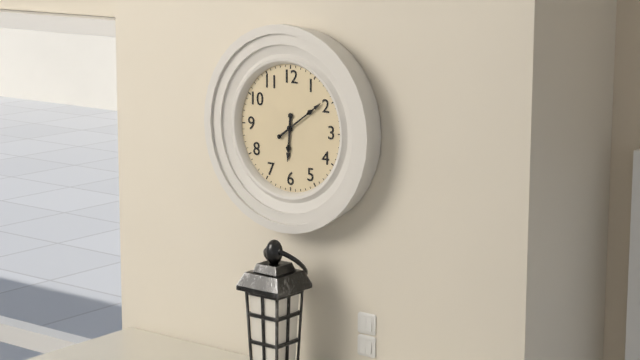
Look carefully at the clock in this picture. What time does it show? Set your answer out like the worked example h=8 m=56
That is h=6 m=9
